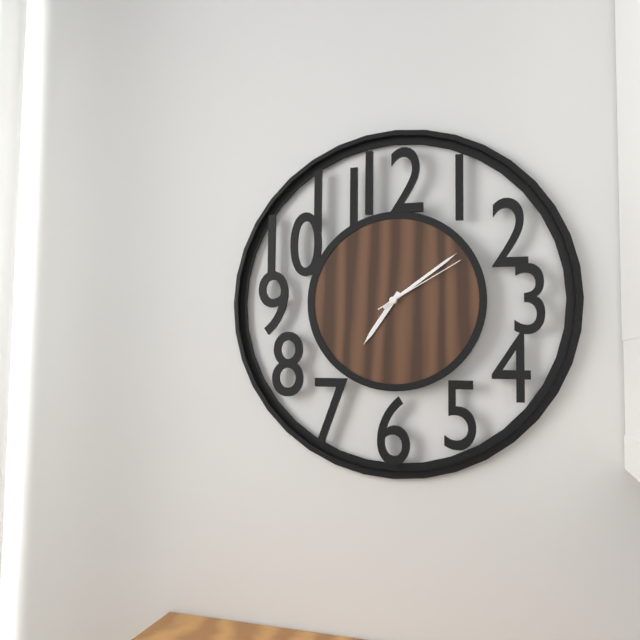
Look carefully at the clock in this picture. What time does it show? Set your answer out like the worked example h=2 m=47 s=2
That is h=7 m=9 s=10
